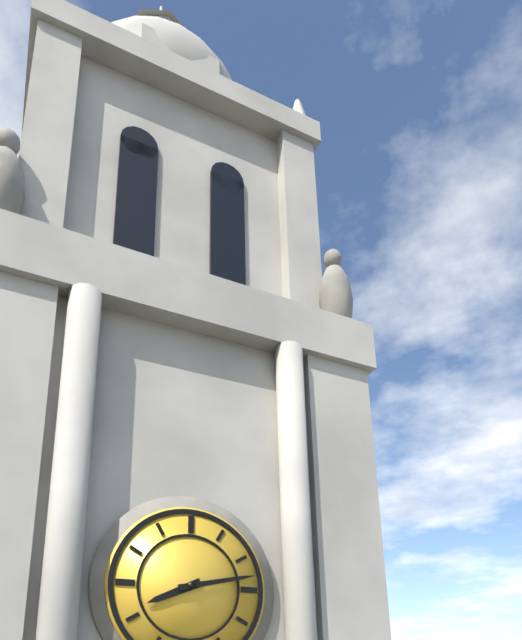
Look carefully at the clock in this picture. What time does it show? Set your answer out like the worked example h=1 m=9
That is h=8 m=13
